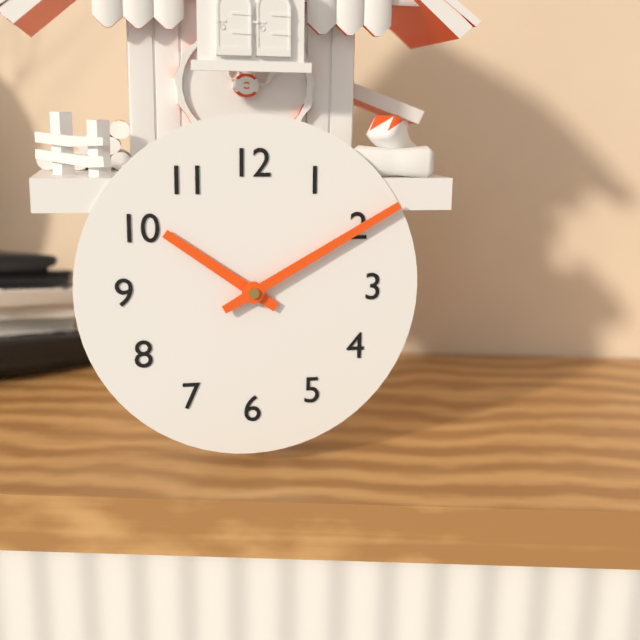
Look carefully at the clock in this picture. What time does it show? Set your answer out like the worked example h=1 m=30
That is h=10 m=10
